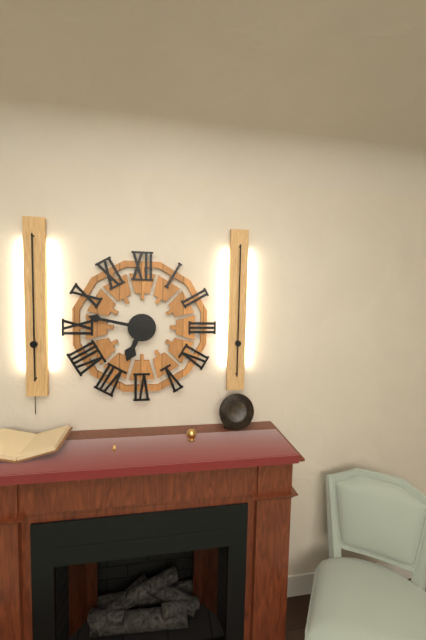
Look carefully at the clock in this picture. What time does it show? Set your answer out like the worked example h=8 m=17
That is h=6 m=47
